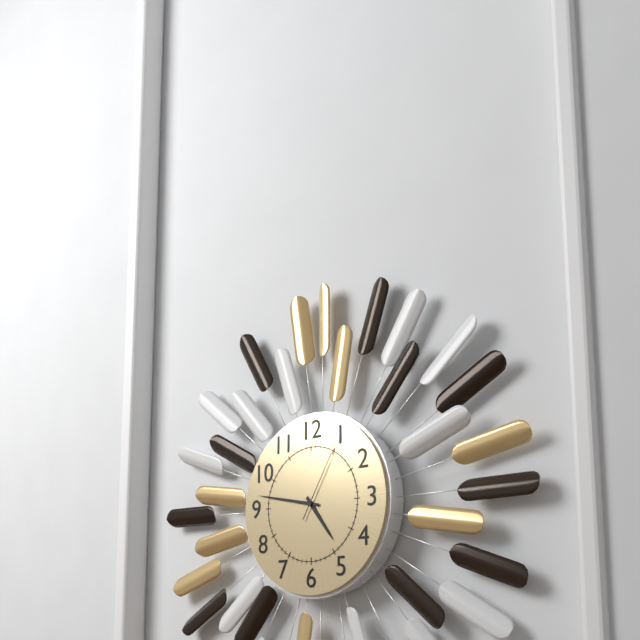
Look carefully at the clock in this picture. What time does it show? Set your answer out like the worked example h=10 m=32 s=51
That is h=4 m=47 s=5
